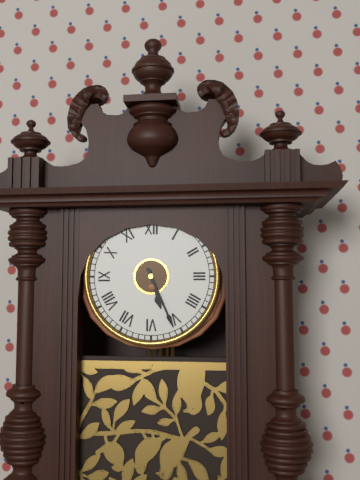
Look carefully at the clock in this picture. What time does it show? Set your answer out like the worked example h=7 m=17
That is h=5 m=26
